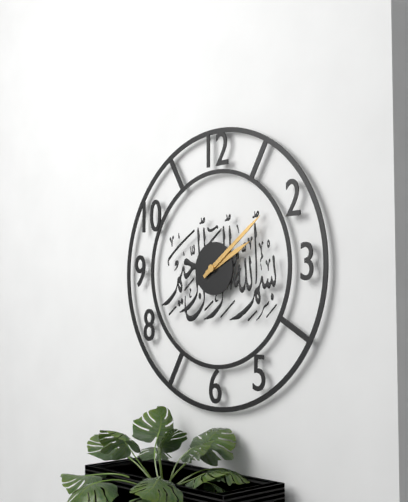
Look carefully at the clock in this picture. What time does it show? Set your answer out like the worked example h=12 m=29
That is h=2 m=9
